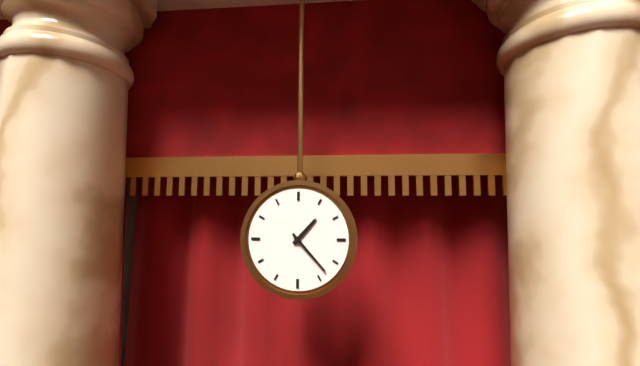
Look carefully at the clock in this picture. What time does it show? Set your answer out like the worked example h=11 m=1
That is h=1 m=23
